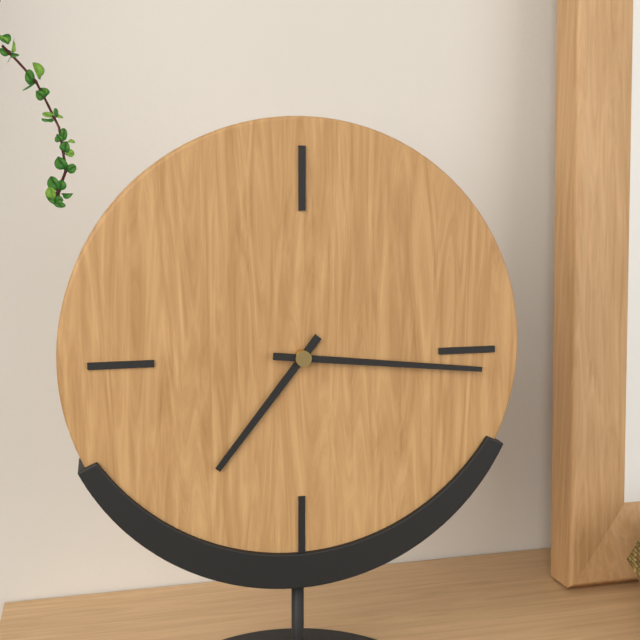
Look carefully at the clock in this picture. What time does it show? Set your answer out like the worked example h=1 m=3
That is h=7 m=16
